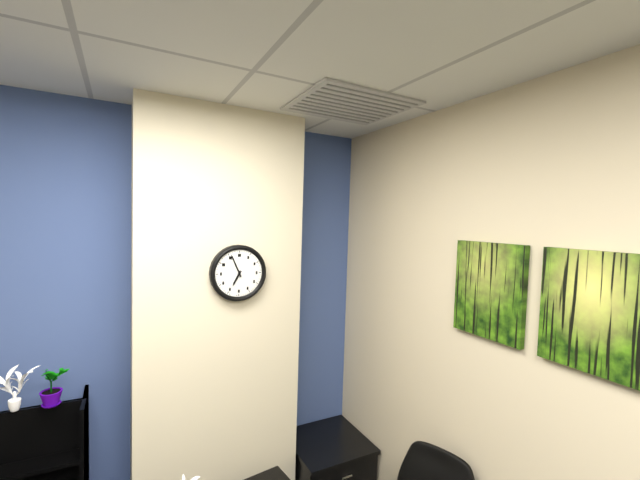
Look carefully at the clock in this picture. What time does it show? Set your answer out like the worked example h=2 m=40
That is h=6 m=56
